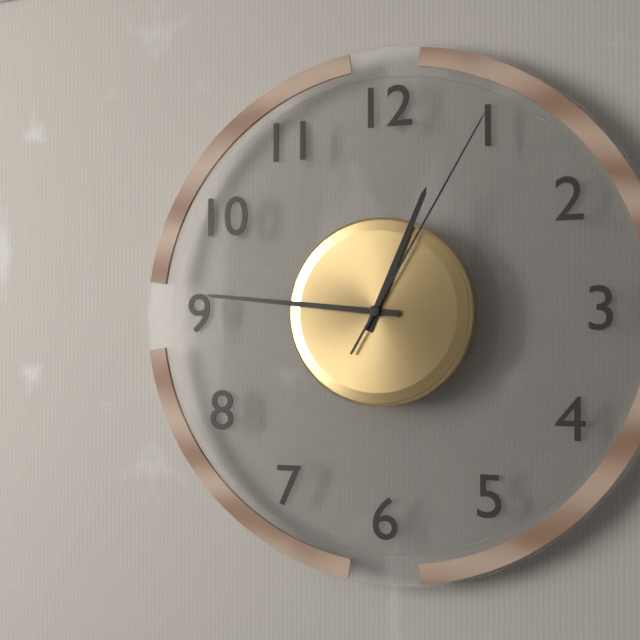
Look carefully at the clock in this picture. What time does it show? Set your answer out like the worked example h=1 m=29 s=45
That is h=12 m=46 s=5
